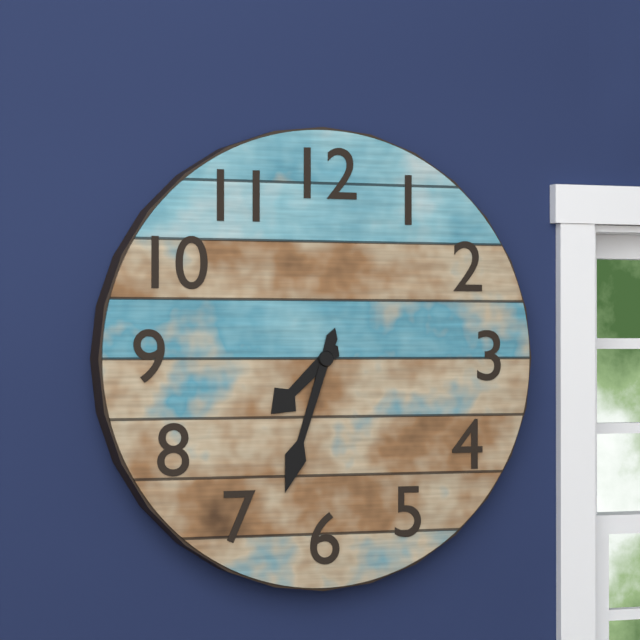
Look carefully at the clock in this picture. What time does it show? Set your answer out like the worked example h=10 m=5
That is h=7 m=33
